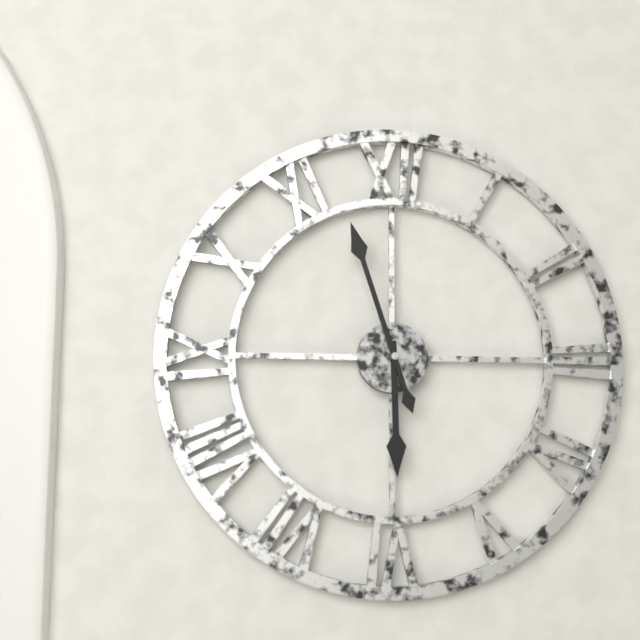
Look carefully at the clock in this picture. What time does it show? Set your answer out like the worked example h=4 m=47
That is h=5 m=57
